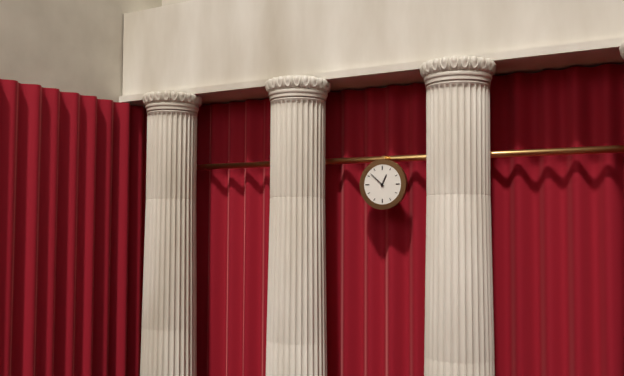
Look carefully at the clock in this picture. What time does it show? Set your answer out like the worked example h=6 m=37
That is h=12 m=52
